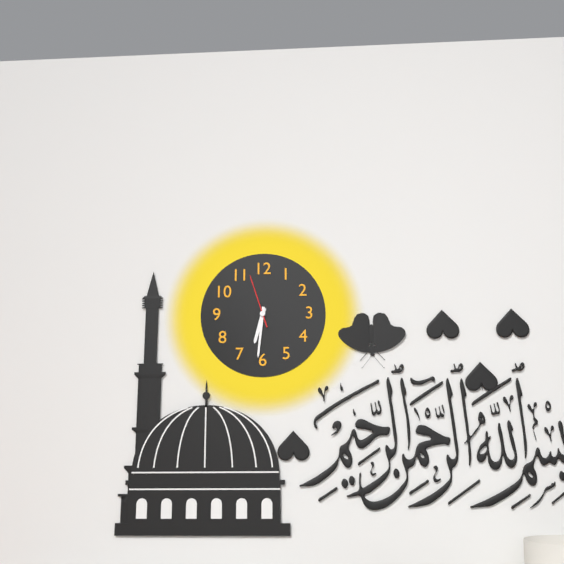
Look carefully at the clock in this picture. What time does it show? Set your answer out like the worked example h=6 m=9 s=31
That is h=6 m=31 s=57
